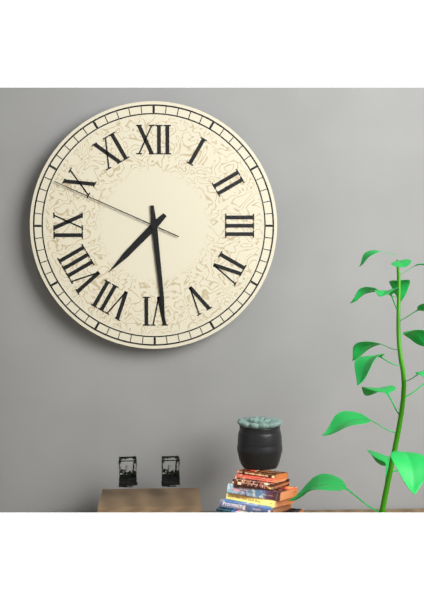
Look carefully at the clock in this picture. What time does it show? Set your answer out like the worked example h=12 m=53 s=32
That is h=7 m=29 s=49
